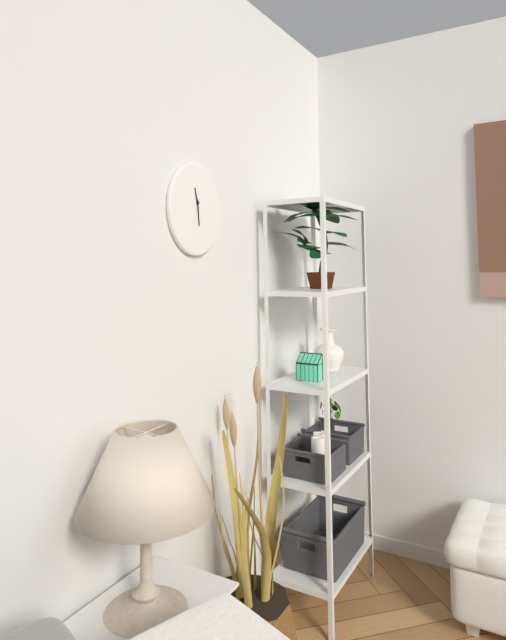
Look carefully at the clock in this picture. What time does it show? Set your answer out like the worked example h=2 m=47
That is h=11 m=29
